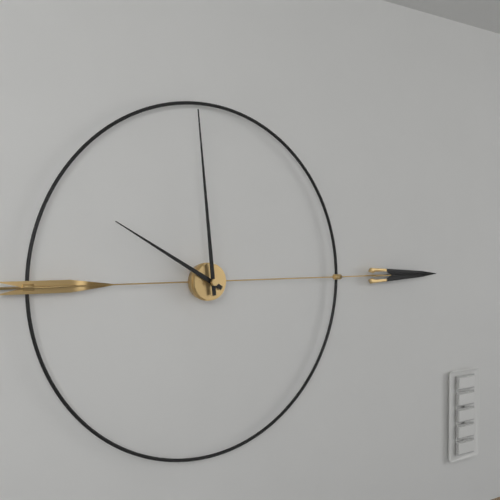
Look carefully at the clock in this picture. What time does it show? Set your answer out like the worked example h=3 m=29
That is h=9 m=59
